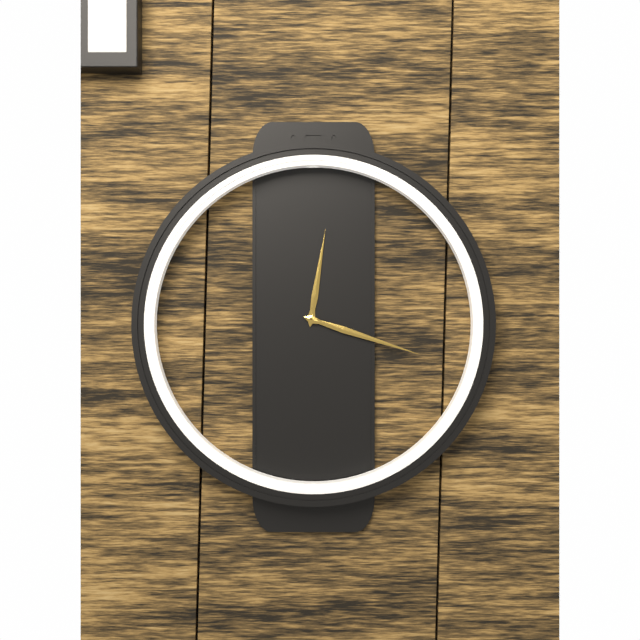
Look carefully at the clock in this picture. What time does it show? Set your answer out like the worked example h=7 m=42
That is h=12 m=18
